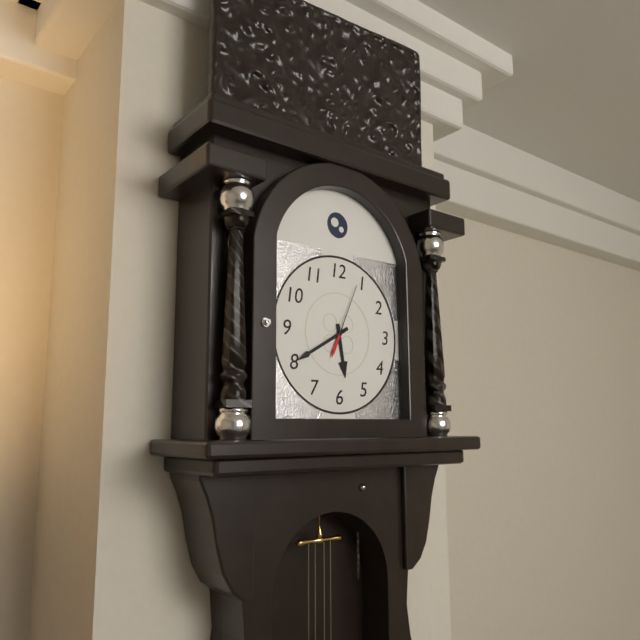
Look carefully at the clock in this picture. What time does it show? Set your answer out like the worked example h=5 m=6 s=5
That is h=5 m=40 s=4
